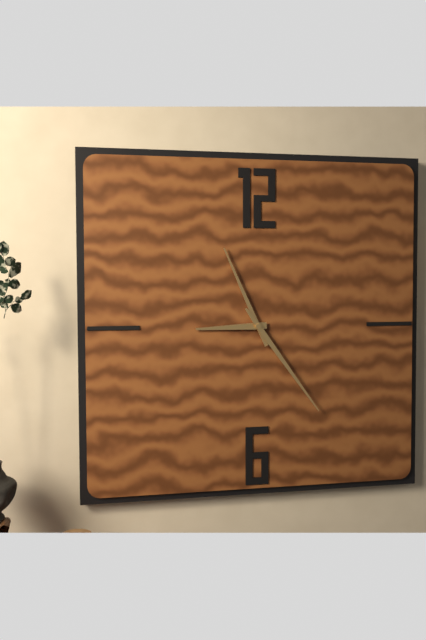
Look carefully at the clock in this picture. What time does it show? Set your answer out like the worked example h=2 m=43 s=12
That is h=8 m=56 s=24
